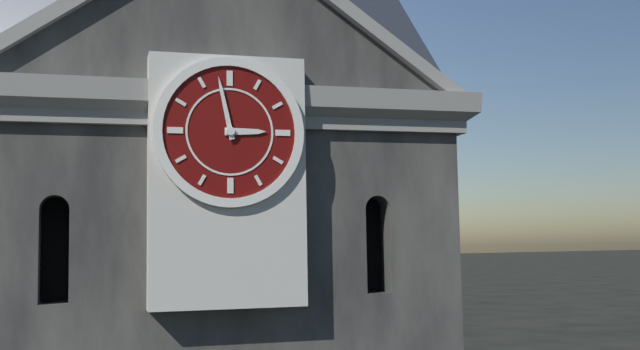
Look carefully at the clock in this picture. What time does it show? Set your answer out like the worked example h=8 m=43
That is h=2 m=58
